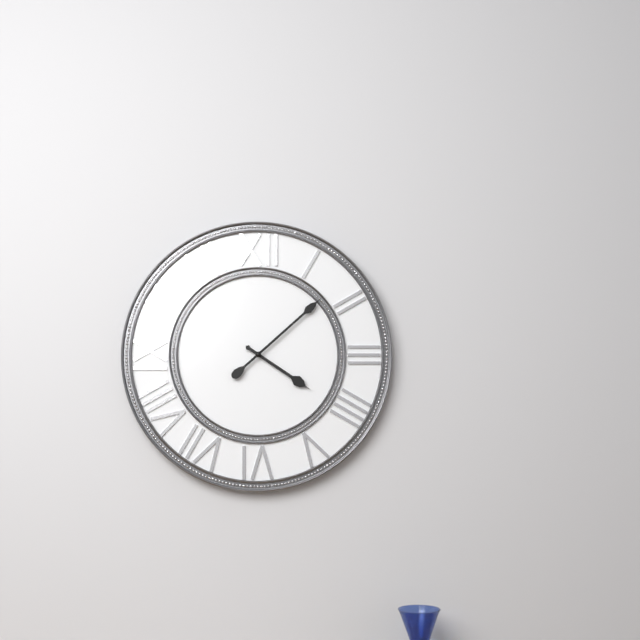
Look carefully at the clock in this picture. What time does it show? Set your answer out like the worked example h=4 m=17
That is h=4 m=8
